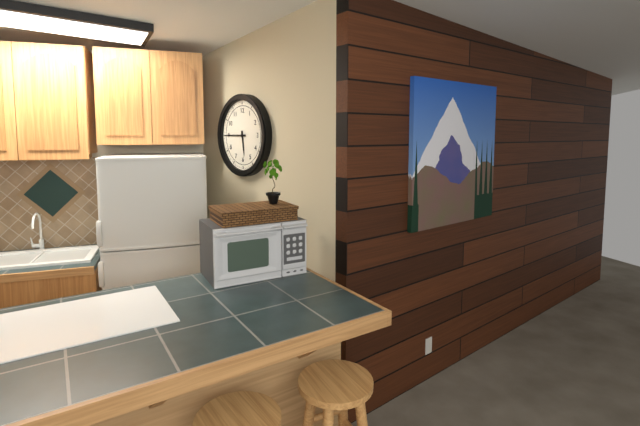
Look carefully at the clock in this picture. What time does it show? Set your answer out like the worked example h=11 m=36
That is h=5 m=45
